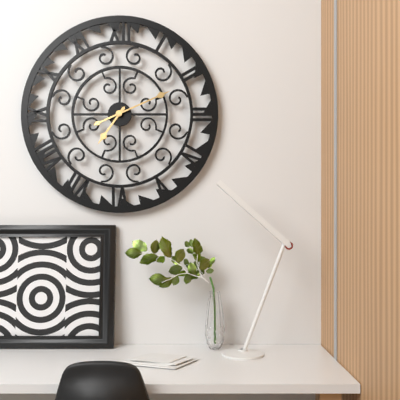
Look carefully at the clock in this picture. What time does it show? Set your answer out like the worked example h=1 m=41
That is h=7 m=11
